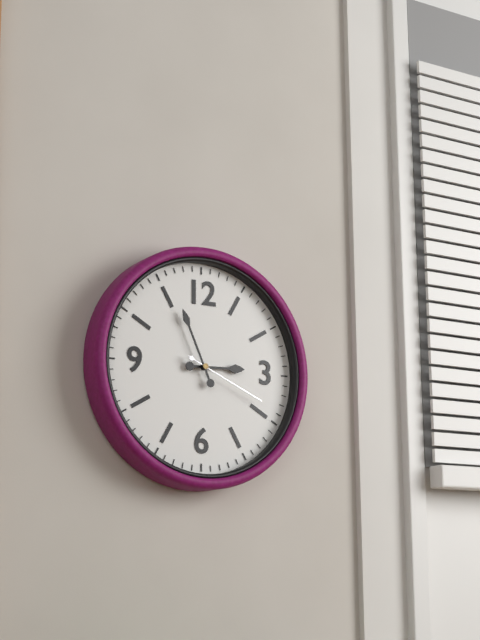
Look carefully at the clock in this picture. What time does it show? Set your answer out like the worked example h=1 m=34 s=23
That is h=2 m=56 s=19
